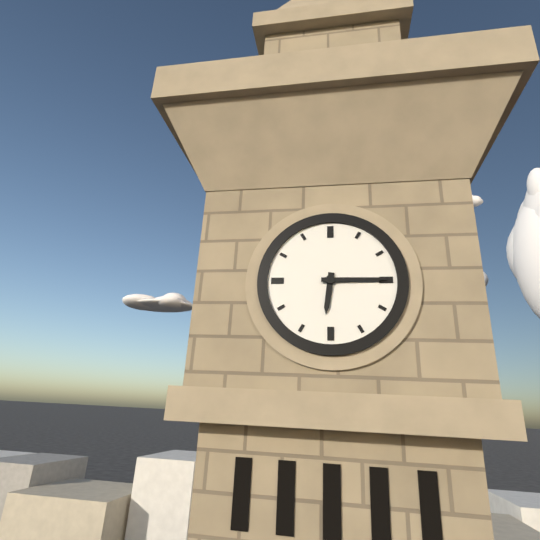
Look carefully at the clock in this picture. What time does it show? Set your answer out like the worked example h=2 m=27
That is h=6 m=15
